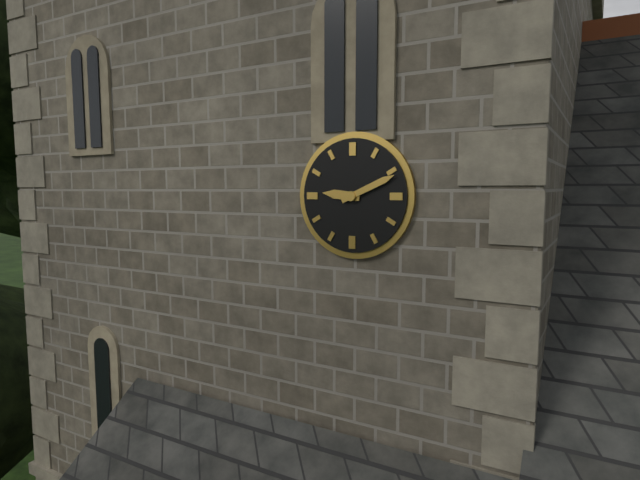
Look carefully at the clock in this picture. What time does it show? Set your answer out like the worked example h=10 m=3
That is h=9 m=11
